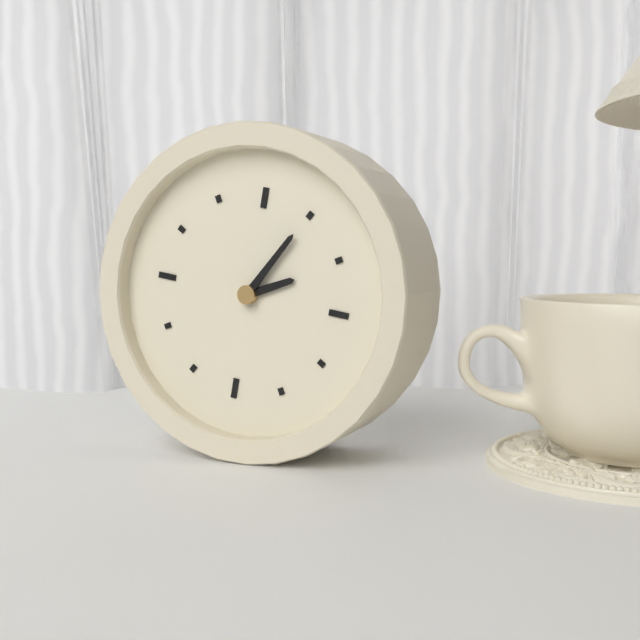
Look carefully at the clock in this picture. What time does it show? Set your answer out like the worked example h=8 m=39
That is h=2 m=5
